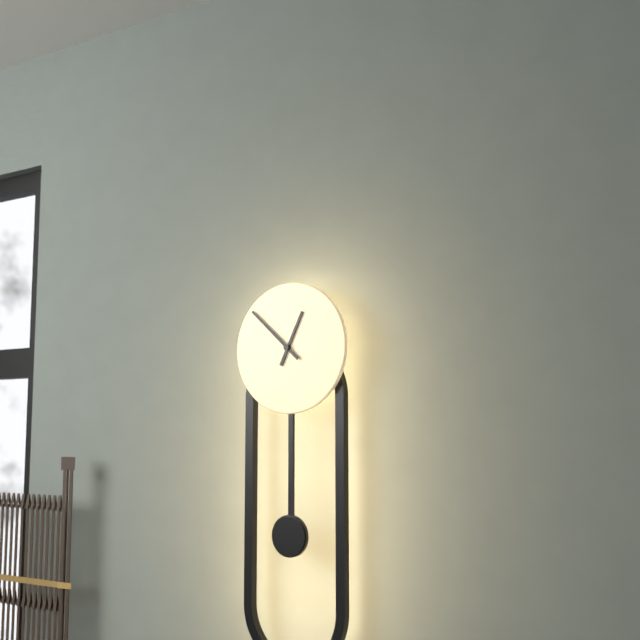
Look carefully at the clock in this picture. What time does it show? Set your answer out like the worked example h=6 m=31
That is h=12 m=52
